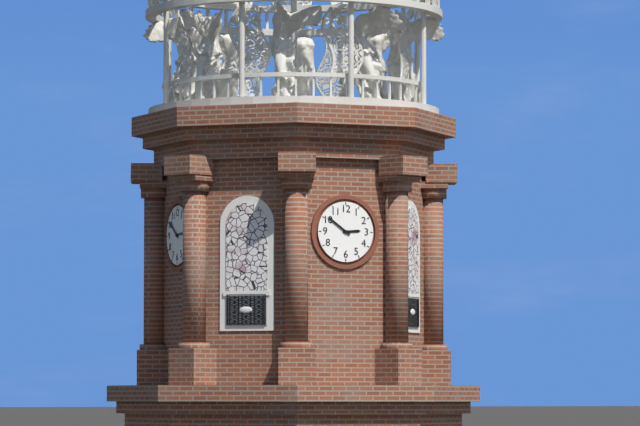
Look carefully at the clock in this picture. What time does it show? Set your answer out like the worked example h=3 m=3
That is h=2 m=51
